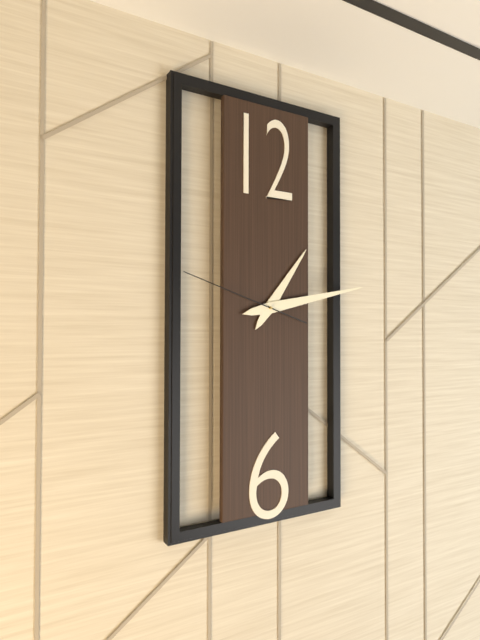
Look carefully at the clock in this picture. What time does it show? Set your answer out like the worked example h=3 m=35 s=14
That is h=1 m=13 s=48
